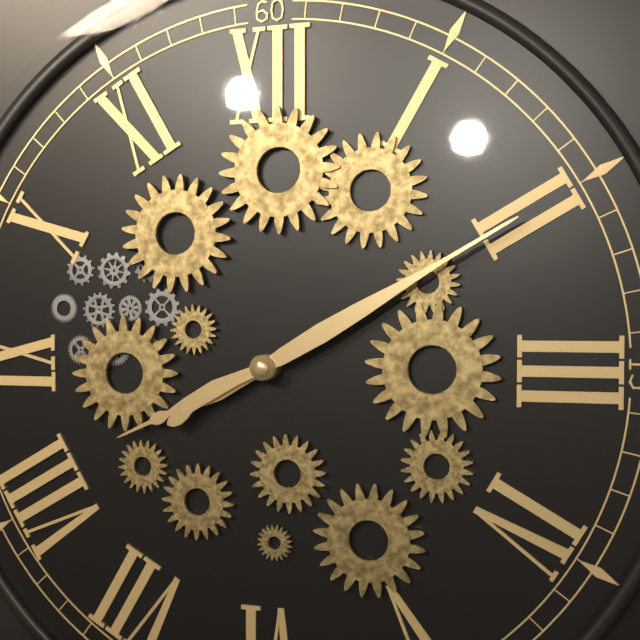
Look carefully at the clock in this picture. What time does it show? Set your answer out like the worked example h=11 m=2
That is h=8 m=10
